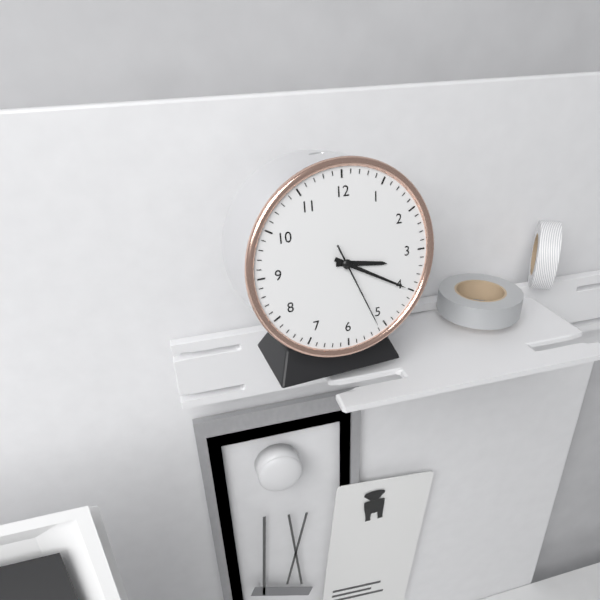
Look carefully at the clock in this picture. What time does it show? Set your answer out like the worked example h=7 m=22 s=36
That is h=3 m=20 s=26
